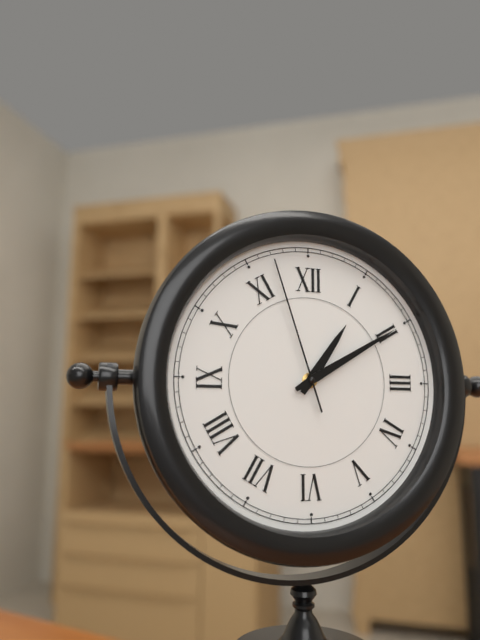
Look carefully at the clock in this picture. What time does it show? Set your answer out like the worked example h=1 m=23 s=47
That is h=1 m=10 s=57
